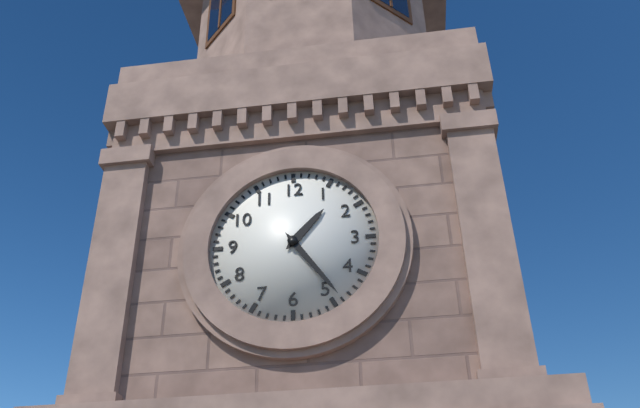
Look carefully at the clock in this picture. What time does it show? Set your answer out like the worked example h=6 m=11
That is h=1 m=24
